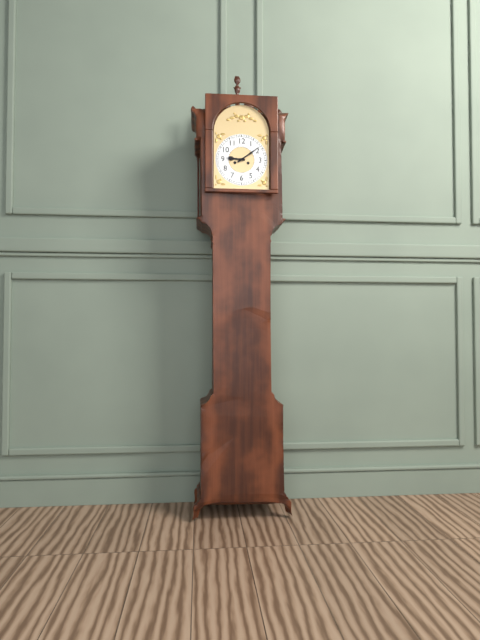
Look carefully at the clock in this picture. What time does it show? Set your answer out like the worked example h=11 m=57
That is h=9 m=9
